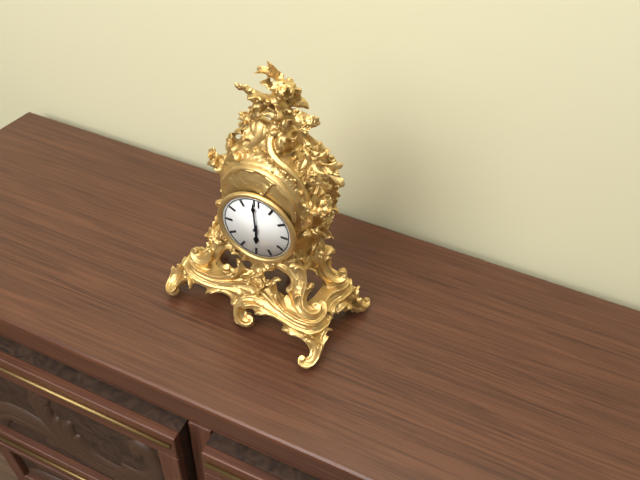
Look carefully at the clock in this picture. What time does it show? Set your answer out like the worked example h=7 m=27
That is h=5 m=59
